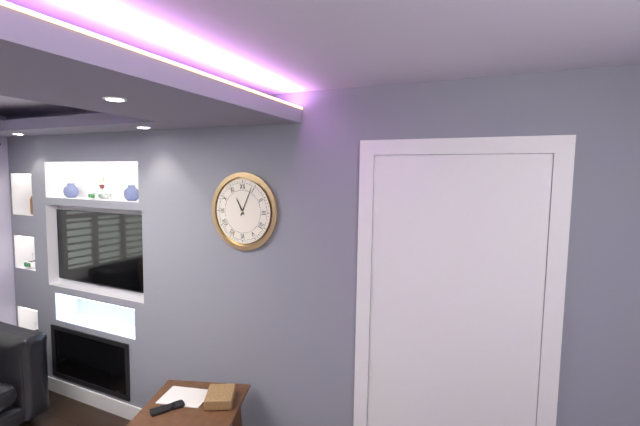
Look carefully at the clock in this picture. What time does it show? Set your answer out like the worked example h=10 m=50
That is h=11 m=4
